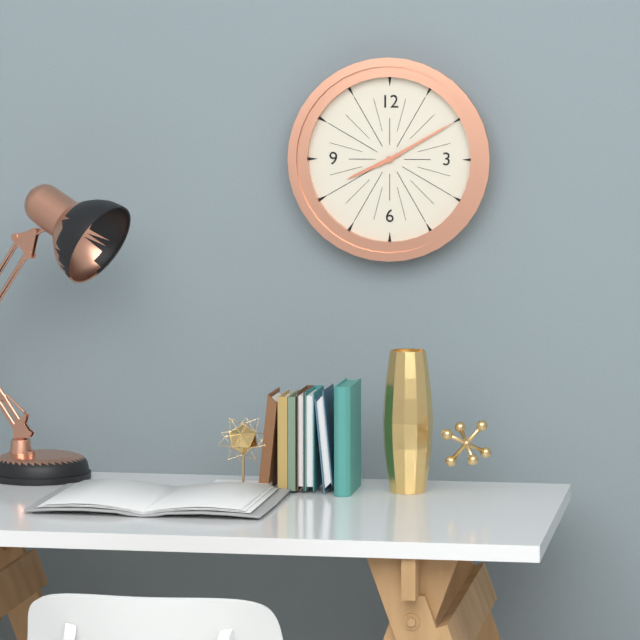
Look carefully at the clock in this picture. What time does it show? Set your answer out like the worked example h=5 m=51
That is h=8 m=10
